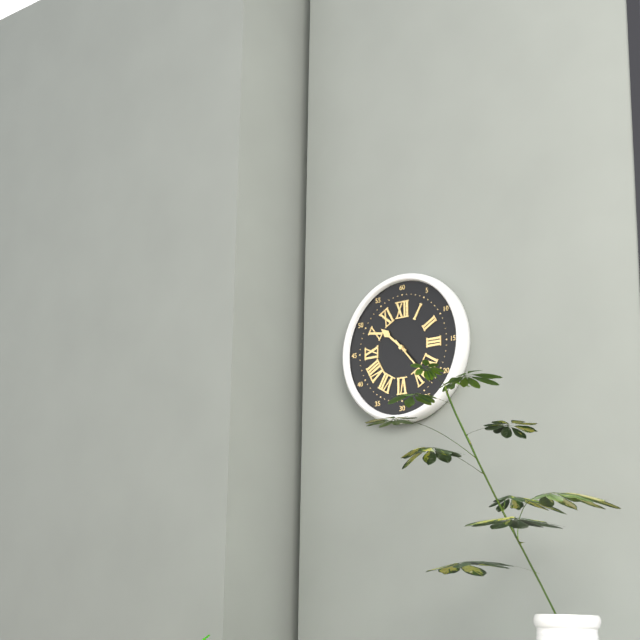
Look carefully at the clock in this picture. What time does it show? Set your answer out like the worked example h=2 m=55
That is h=10 m=23
